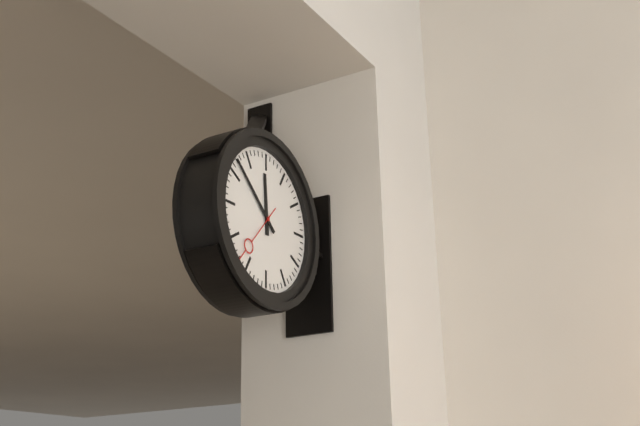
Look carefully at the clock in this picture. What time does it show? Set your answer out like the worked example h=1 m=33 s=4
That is h=11 m=52 s=37
